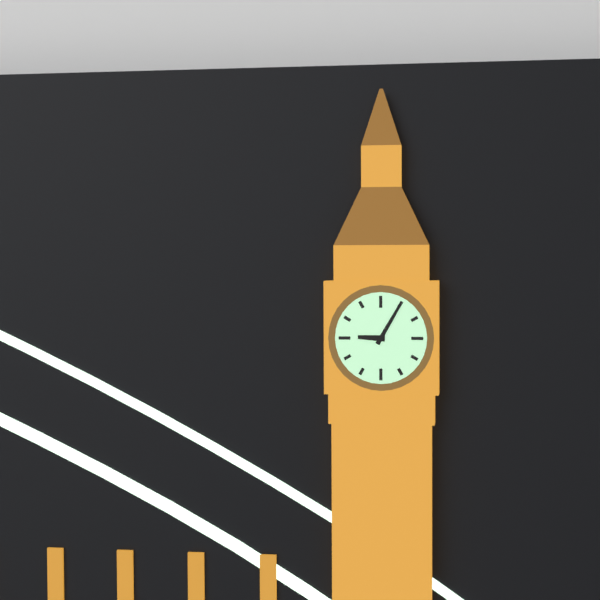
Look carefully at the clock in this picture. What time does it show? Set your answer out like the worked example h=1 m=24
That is h=9 m=5
